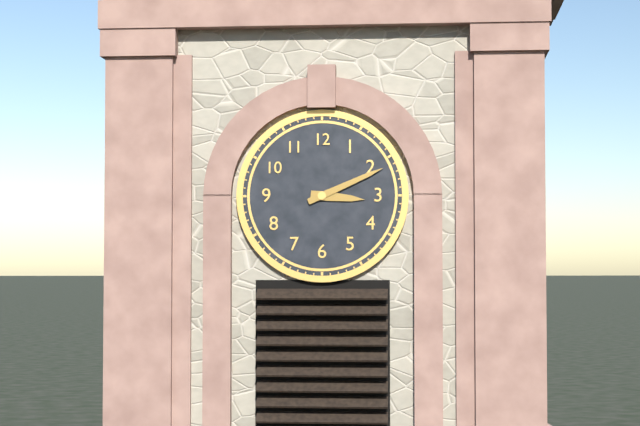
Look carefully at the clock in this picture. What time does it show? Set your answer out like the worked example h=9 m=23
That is h=3 m=11
